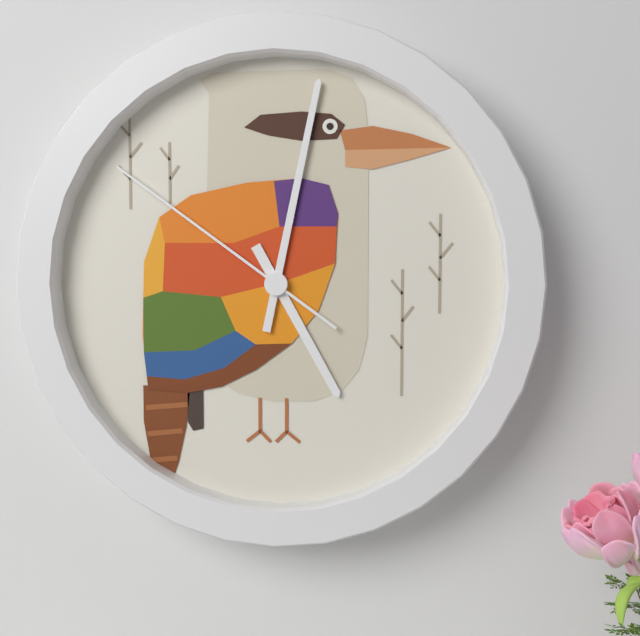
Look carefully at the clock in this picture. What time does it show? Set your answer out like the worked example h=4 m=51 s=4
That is h=5 m=2 s=51
